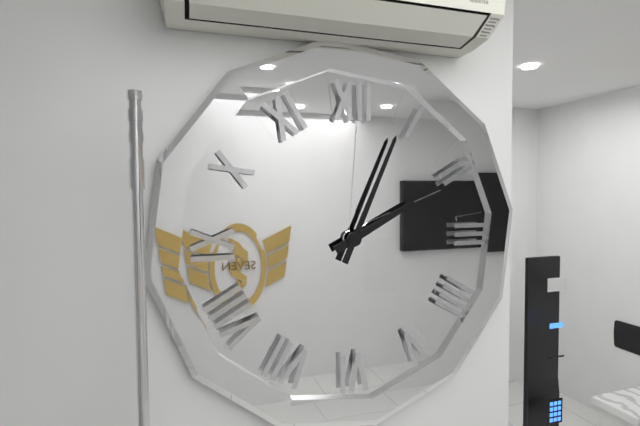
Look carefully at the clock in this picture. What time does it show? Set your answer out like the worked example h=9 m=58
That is h=2 m=4
